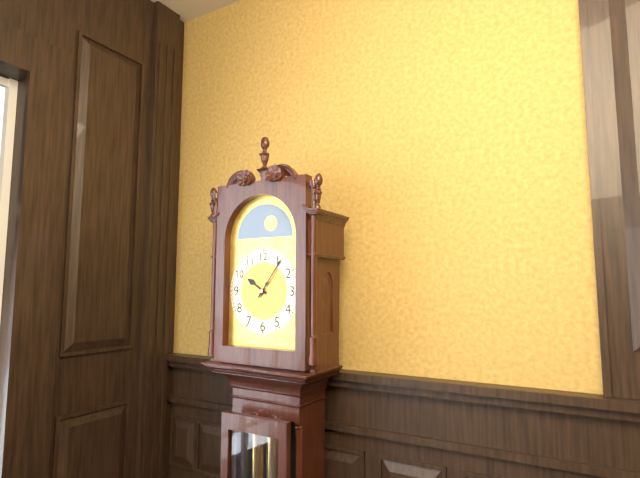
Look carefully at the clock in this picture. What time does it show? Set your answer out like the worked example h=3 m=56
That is h=10 m=6
